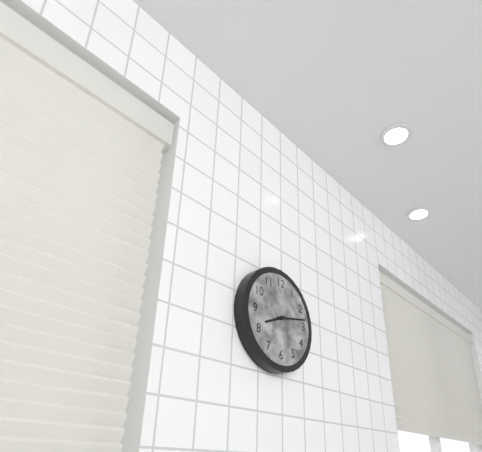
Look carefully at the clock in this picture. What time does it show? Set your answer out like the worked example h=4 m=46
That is h=8 m=13
